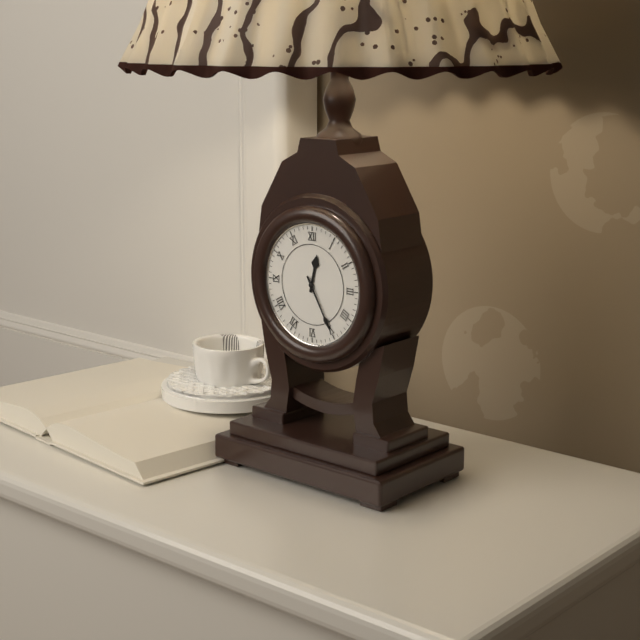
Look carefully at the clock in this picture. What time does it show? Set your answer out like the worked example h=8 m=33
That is h=12 m=25
